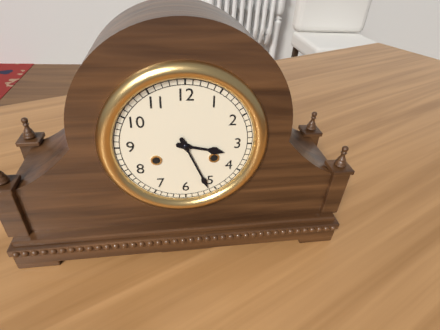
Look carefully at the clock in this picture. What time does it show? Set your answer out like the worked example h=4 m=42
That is h=3 m=26
